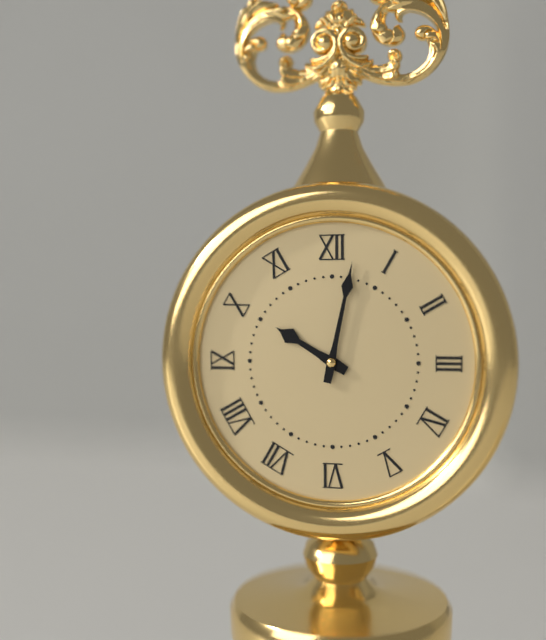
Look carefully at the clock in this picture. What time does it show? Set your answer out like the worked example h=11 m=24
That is h=10 m=2
